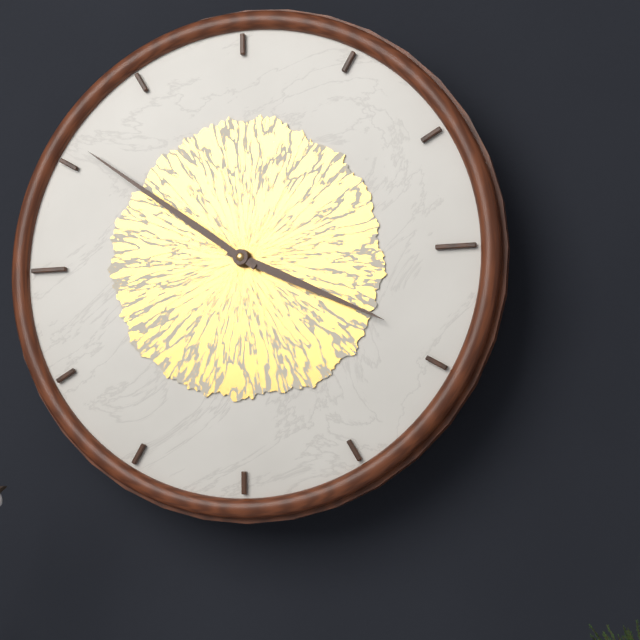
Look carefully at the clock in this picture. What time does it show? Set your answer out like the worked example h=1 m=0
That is h=3 m=51
